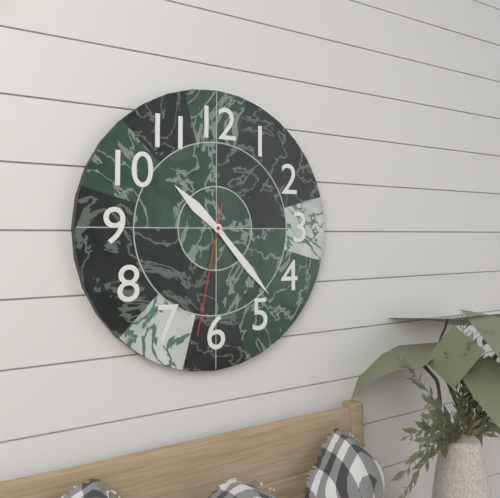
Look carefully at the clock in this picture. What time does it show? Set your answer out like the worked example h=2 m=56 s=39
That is h=10 m=23 s=32
